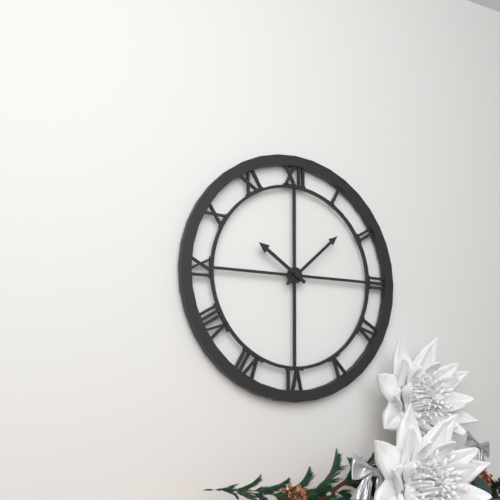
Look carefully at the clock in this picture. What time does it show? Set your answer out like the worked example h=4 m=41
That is h=10 m=8
